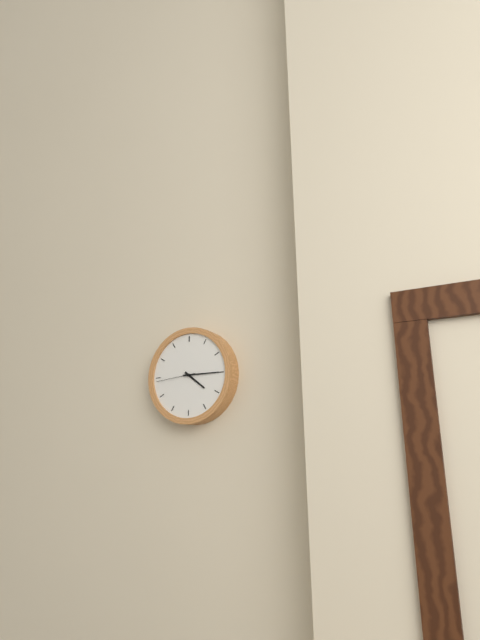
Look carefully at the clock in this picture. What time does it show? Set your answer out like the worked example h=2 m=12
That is h=4 m=15
